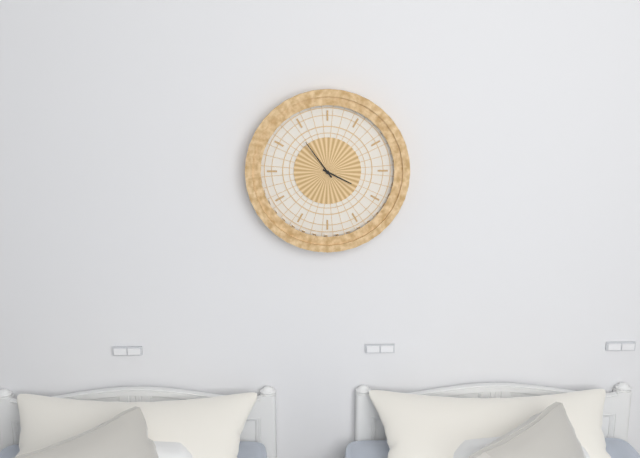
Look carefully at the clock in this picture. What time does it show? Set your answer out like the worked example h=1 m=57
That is h=3 m=54
